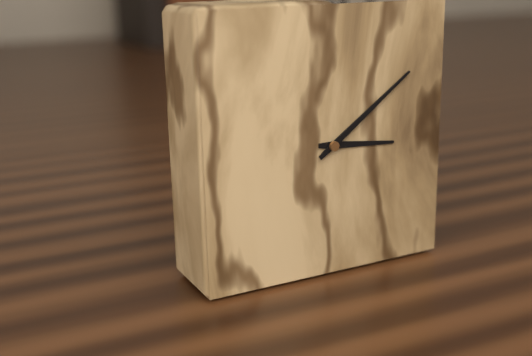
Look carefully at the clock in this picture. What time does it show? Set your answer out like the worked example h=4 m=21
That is h=3 m=9
